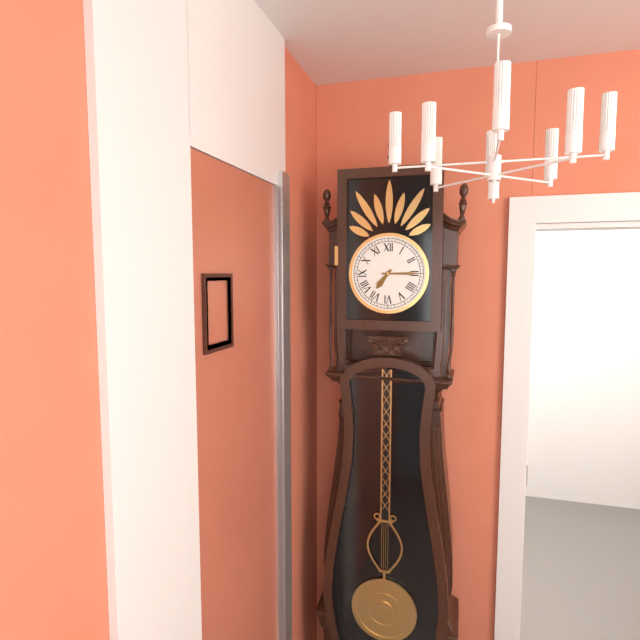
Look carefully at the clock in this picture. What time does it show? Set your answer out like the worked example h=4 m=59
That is h=7 m=15
